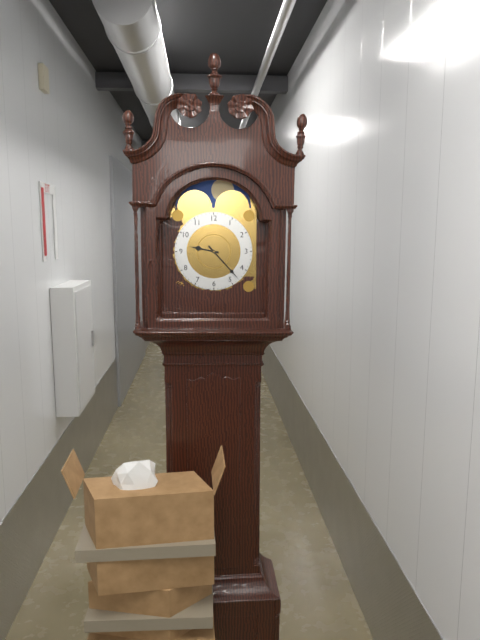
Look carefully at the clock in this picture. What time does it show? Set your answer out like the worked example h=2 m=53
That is h=9 m=23
